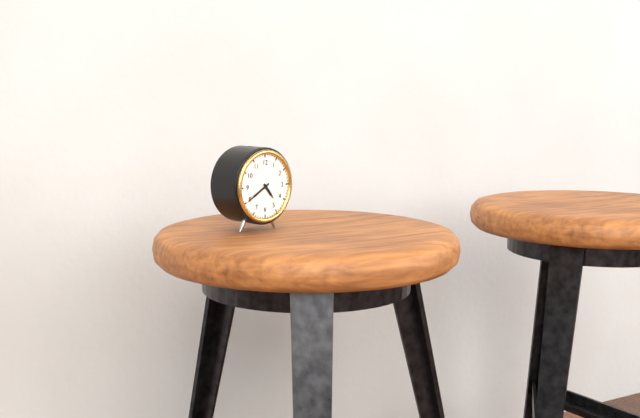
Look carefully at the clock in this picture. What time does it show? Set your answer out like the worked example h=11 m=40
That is h=4 m=40
